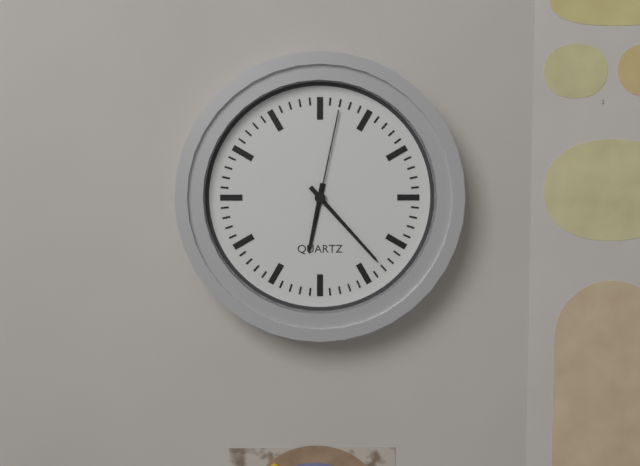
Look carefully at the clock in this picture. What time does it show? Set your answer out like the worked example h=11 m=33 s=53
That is h=6 m=23 s=2
